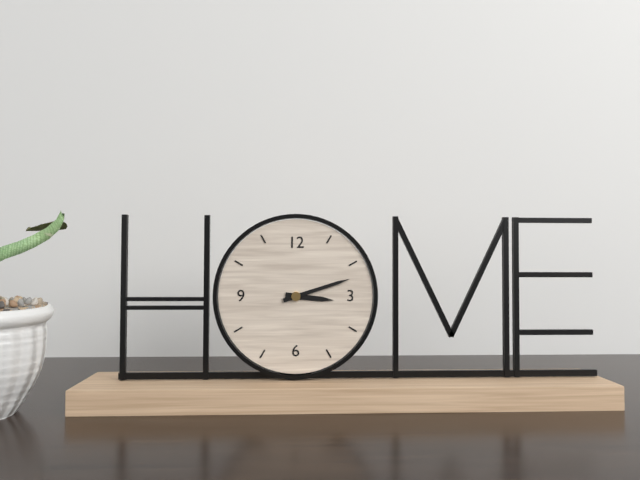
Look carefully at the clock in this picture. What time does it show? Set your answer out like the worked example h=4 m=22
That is h=3 m=12
